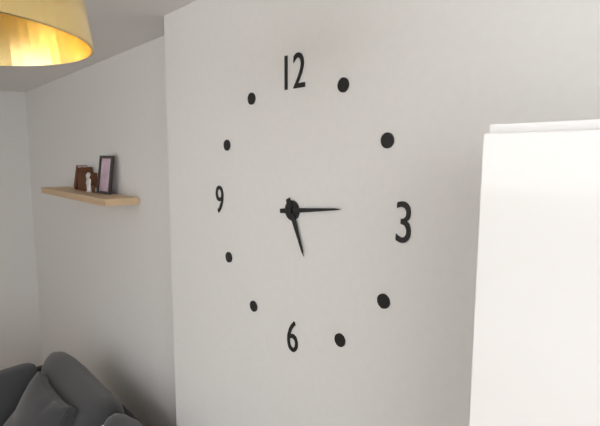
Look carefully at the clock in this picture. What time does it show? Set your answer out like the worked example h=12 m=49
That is h=5 m=14
